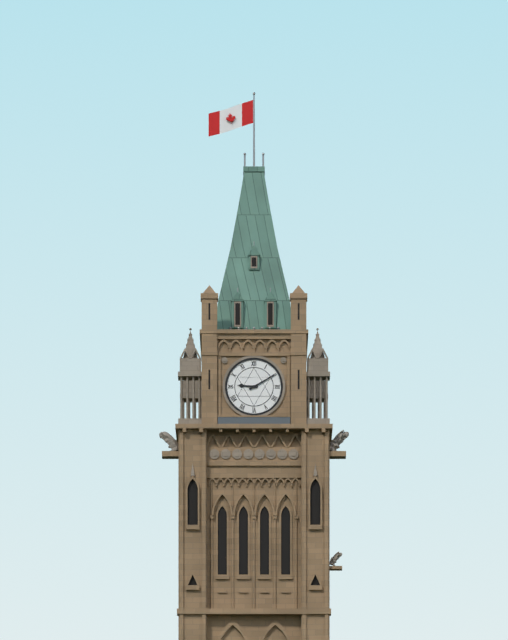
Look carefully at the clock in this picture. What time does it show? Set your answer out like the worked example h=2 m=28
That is h=9 m=10
